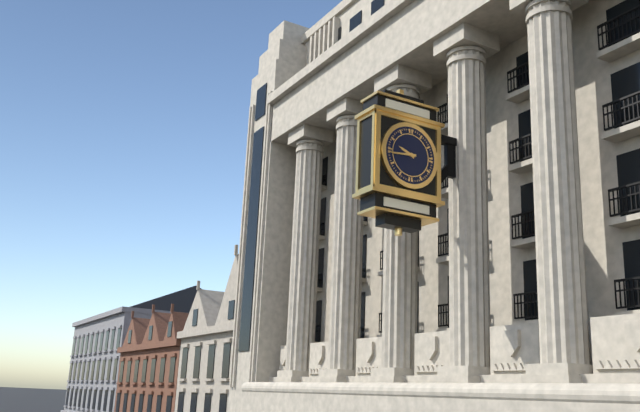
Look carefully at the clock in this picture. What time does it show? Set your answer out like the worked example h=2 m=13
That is h=9 m=44
